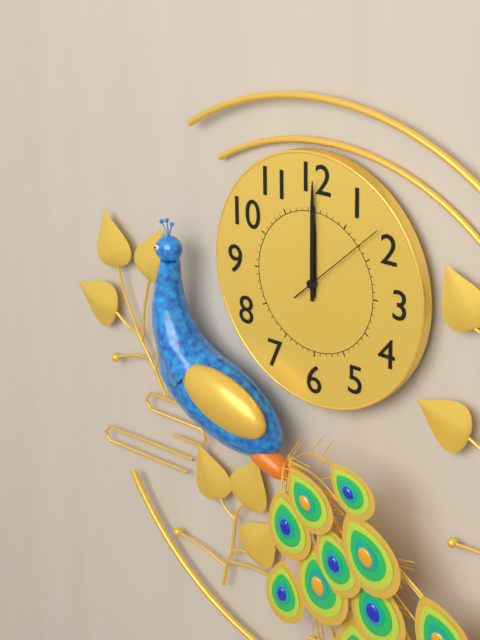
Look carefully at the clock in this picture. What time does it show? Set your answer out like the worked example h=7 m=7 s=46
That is h=12 m=0 s=8
